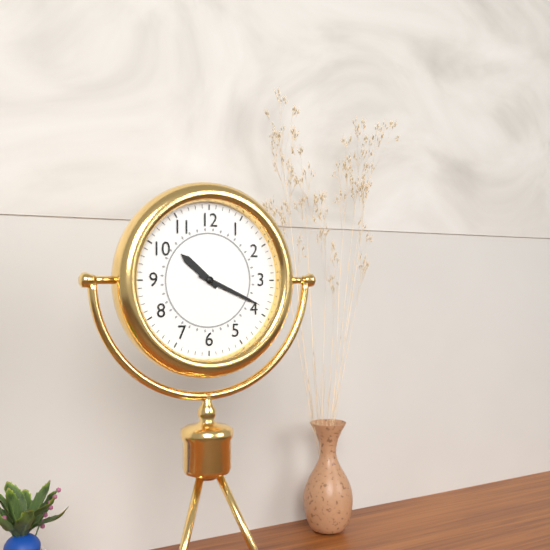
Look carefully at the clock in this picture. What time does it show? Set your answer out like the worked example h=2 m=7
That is h=10 m=19
